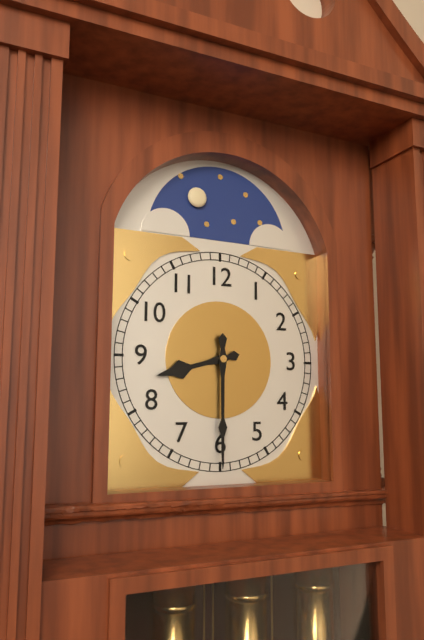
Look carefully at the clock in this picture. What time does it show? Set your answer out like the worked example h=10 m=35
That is h=8 m=30
